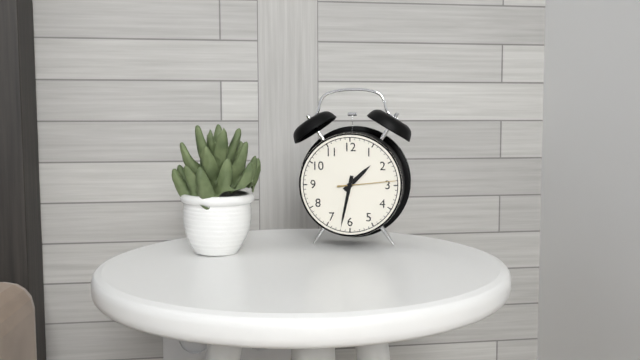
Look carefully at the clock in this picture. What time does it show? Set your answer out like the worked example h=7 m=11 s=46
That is h=1 m=32 s=14
